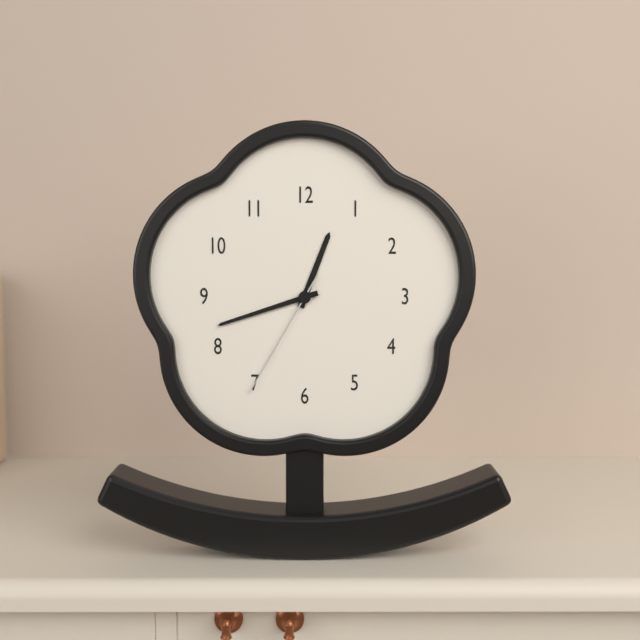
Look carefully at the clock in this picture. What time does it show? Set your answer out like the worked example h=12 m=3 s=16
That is h=12 m=42 s=35
